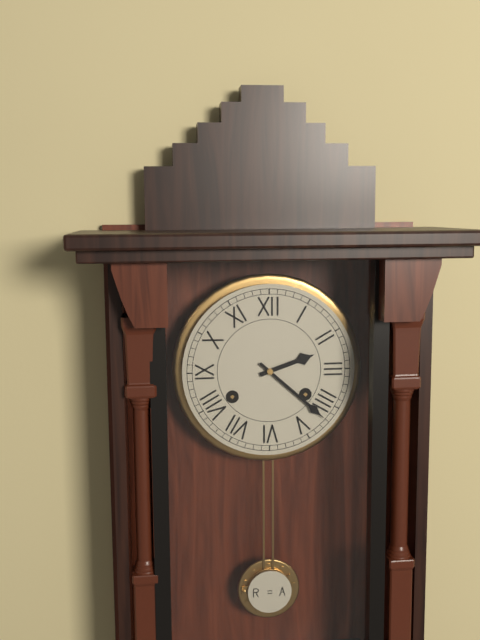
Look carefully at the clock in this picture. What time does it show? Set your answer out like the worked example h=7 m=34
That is h=2 m=22
